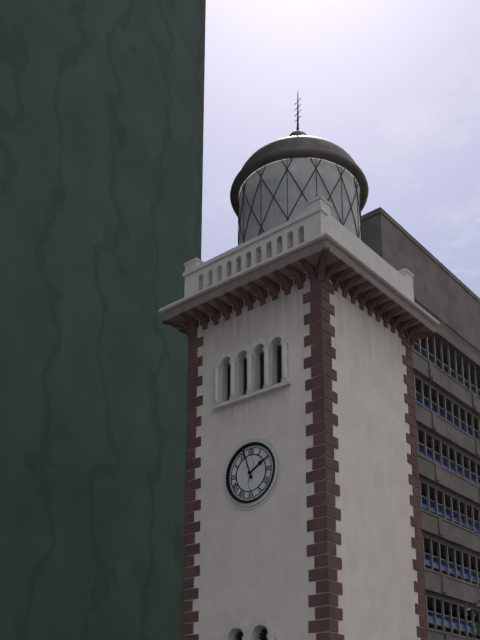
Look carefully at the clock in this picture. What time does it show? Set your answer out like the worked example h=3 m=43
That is h=1 m=57
